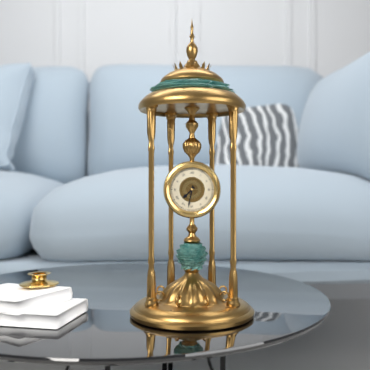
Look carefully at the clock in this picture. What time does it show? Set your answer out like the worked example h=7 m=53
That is h=7 m=32
